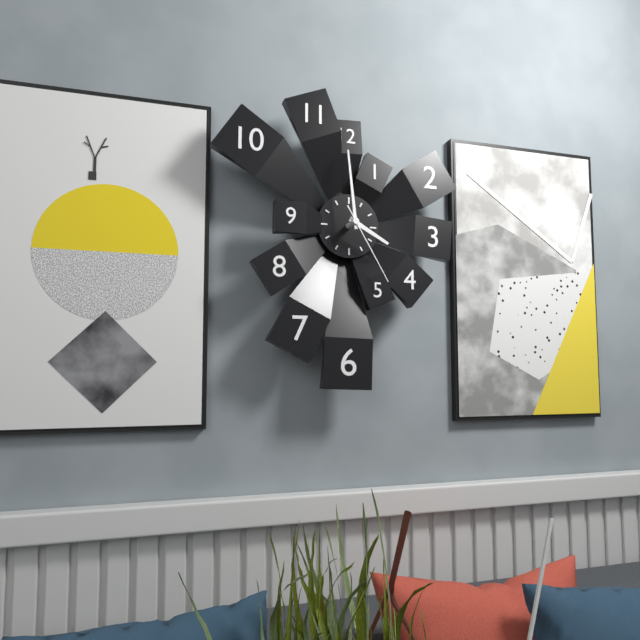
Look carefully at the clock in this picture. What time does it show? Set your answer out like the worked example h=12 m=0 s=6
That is h=3 m=59 s=25
